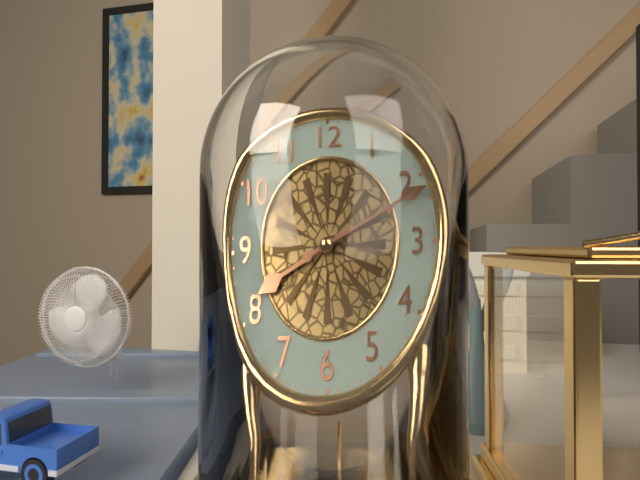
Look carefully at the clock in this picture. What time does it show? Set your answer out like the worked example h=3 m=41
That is h=8 m=11
